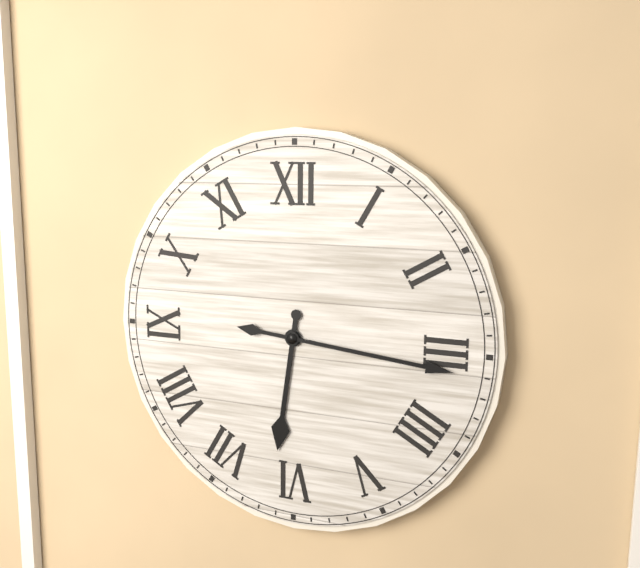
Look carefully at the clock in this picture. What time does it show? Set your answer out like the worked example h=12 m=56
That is h=6 m=16
